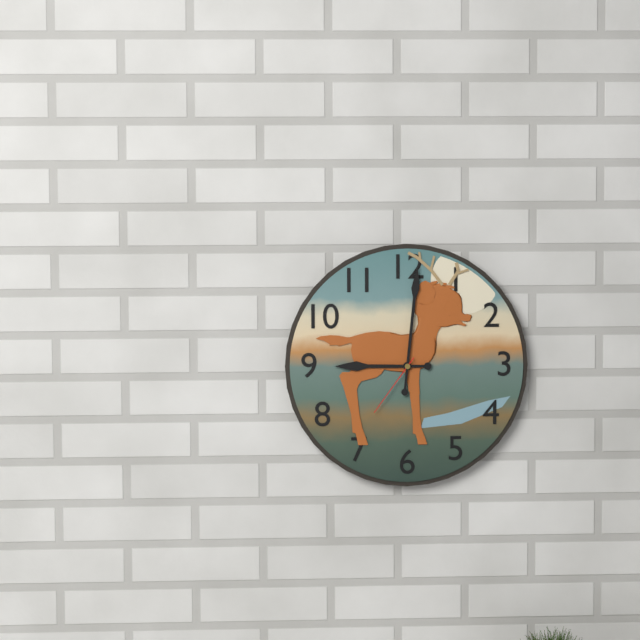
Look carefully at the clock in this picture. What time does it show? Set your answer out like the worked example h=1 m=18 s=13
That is h=9 m=1 s=36
